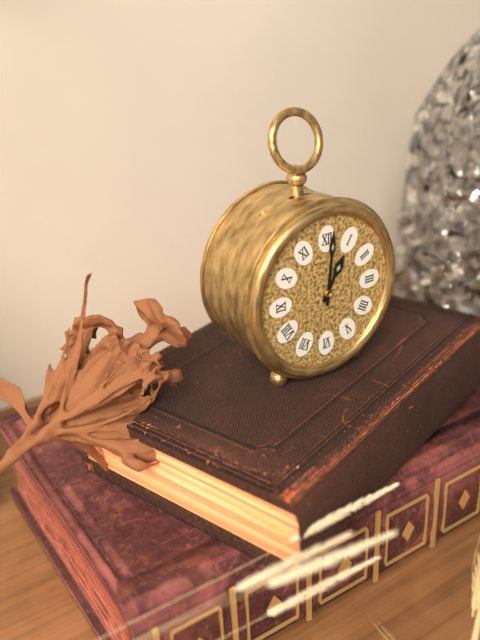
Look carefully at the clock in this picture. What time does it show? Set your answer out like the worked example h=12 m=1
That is h=1 m=1
